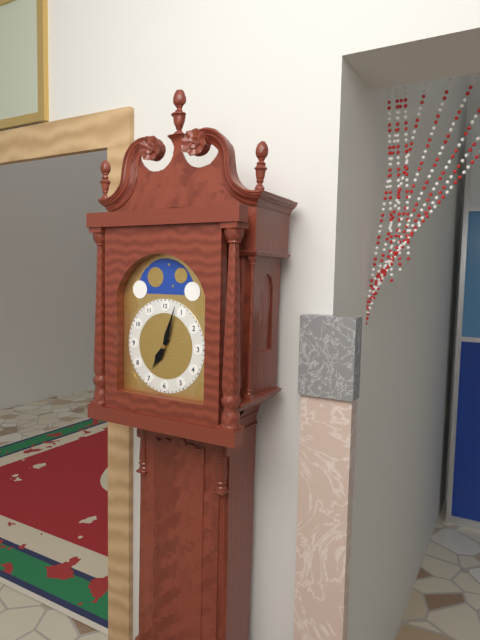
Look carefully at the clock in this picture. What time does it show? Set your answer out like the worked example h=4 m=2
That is h=7 m=3
